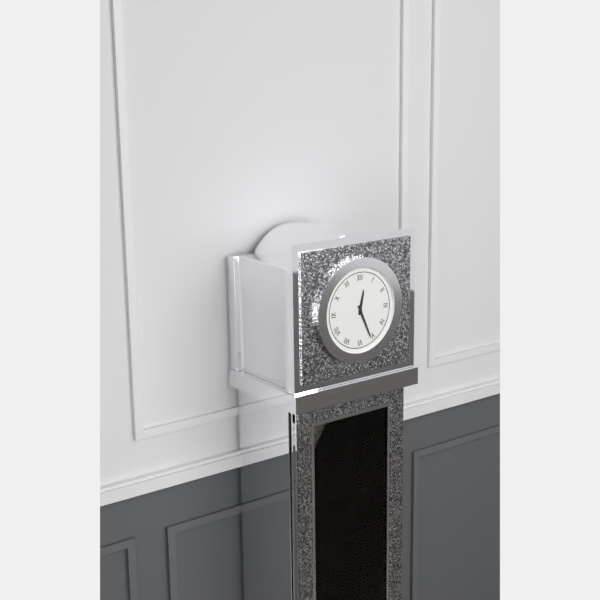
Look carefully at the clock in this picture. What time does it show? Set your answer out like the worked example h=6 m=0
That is h=12 m=26
